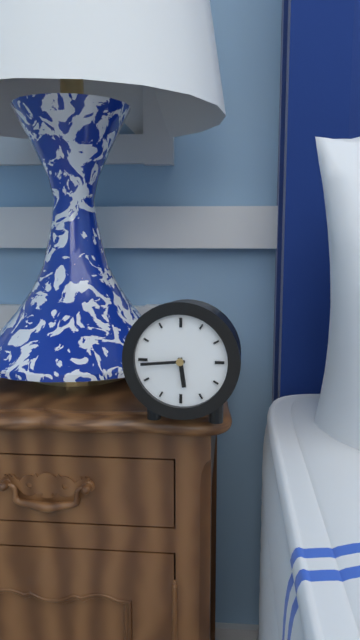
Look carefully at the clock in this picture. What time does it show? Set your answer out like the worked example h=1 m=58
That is h=5 m=44
